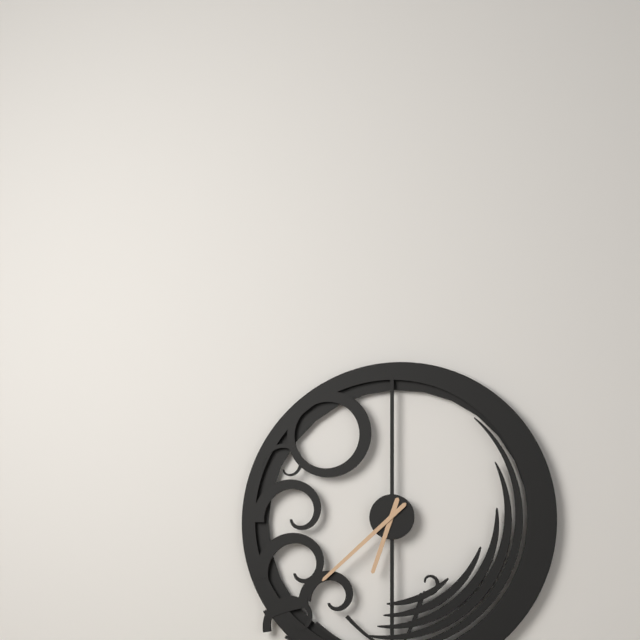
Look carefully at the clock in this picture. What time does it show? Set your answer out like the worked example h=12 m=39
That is h=6 m=38
